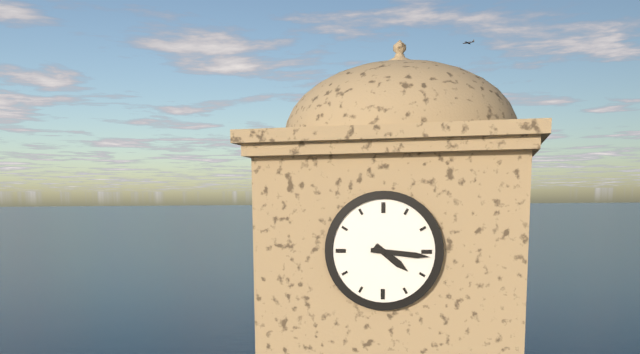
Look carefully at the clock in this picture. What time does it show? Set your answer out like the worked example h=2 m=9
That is h=4 m=16
